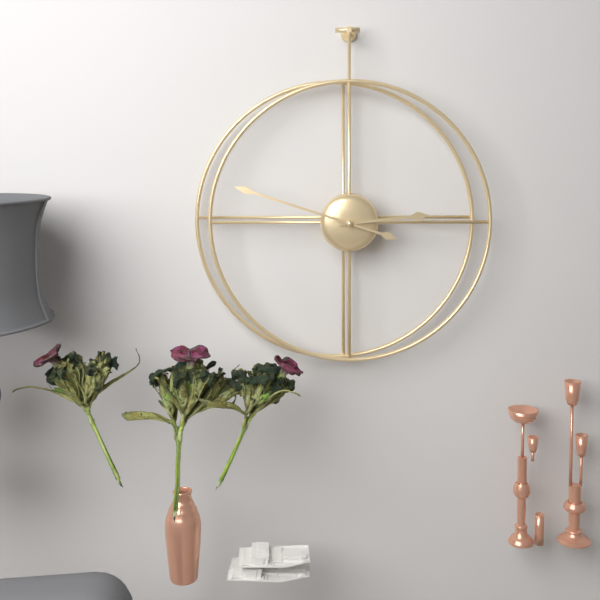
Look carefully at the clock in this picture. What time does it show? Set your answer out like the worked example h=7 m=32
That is h=2 m=48
